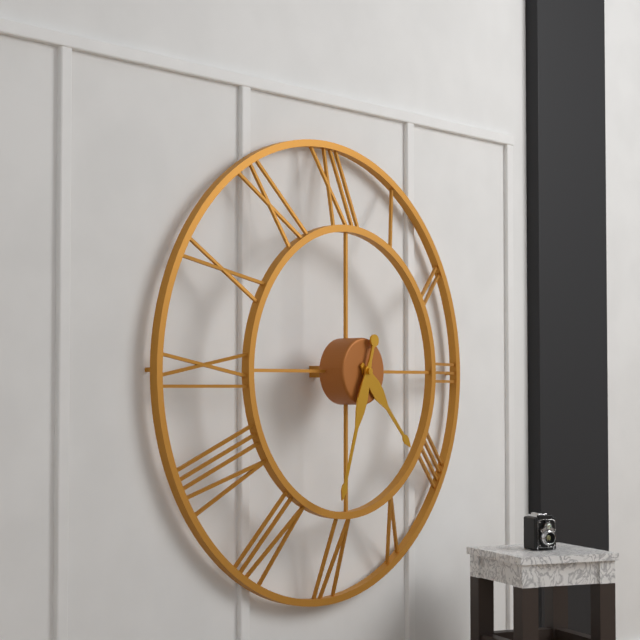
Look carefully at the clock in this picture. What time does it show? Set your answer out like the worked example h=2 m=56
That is h=4 m=33
